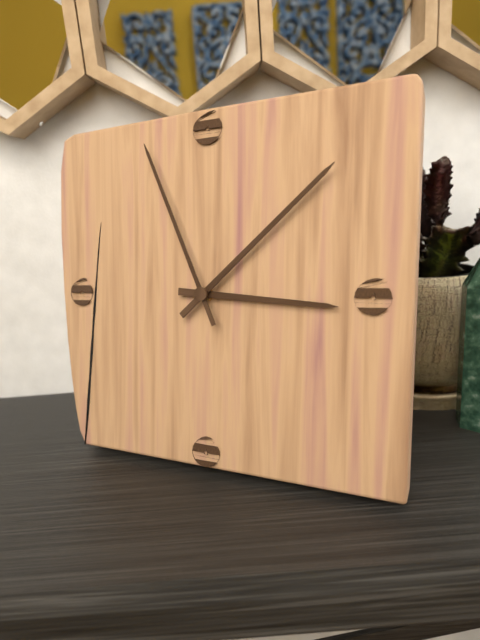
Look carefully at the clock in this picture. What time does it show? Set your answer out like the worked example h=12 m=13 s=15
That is h=3 m=8 s=56
